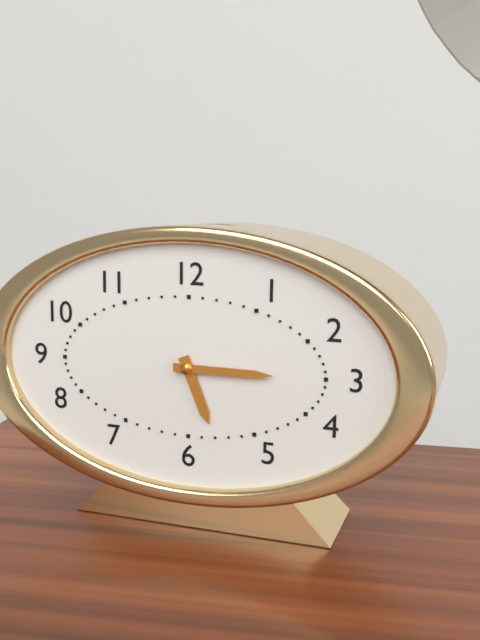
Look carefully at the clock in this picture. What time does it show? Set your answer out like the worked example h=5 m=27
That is h=5 m=15
